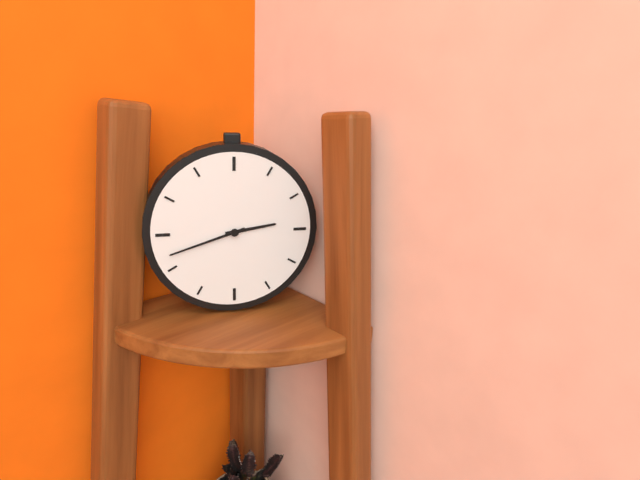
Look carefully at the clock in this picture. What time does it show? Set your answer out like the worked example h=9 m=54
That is h=2 m=42
